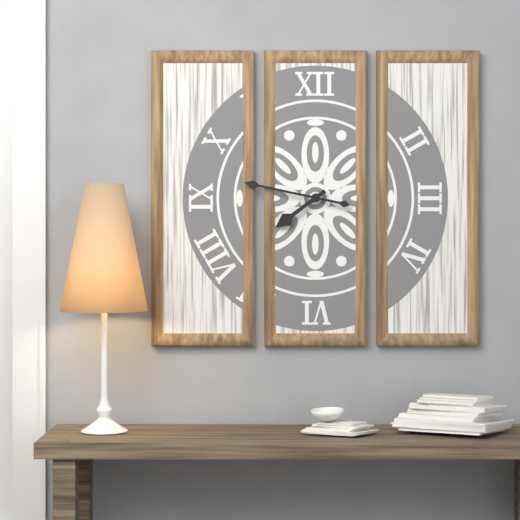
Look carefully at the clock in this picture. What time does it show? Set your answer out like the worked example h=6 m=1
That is h=7 m=47
